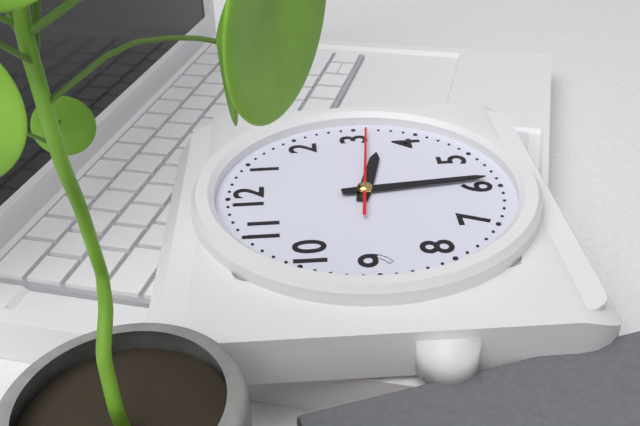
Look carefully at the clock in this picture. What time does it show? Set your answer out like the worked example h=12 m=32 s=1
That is h=3 m=29 s=16
